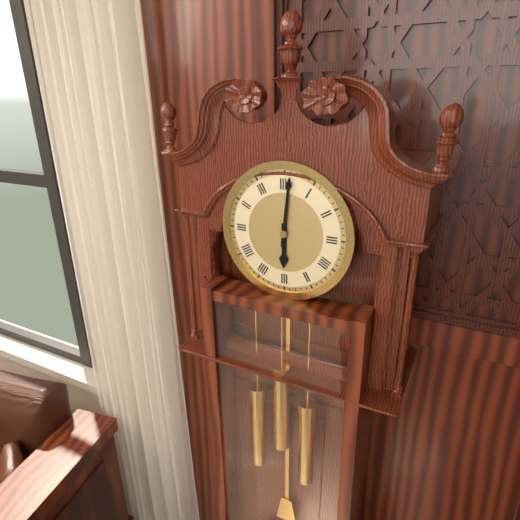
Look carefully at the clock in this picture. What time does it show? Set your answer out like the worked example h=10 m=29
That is h=6 m=1
